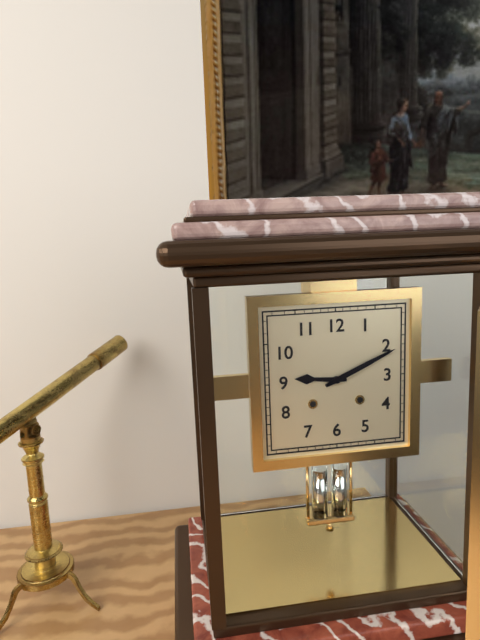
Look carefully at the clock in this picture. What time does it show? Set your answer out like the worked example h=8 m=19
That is h=9 m=11
